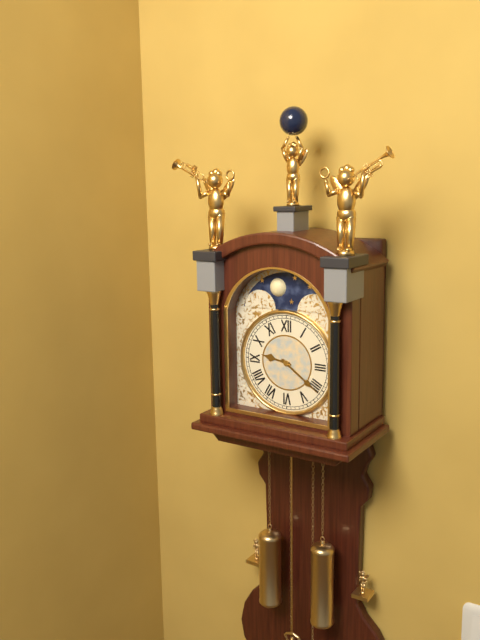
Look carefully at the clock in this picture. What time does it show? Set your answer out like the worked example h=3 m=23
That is h=9 m=21
